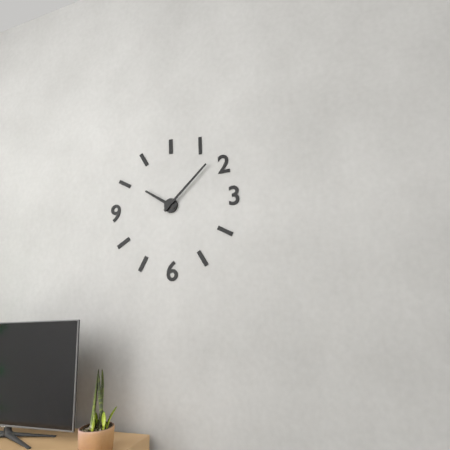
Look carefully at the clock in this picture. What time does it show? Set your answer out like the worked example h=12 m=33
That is h=10 m=8
